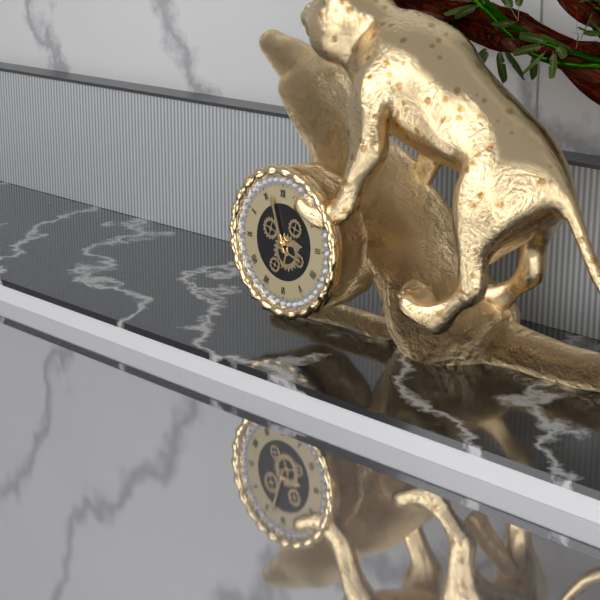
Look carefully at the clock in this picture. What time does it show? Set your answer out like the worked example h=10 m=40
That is h=2 m=57
